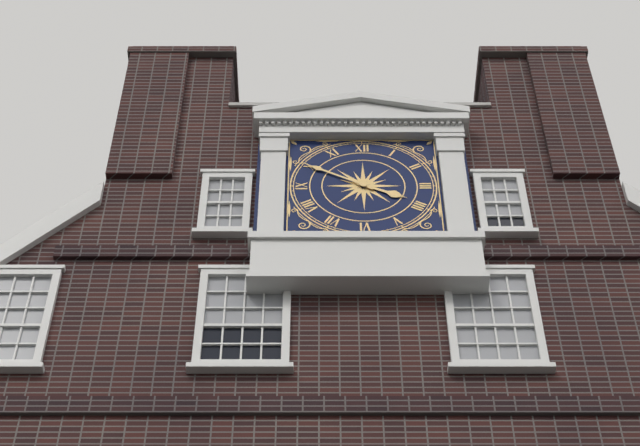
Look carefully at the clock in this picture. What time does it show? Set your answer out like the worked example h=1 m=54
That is h=3 m=50
